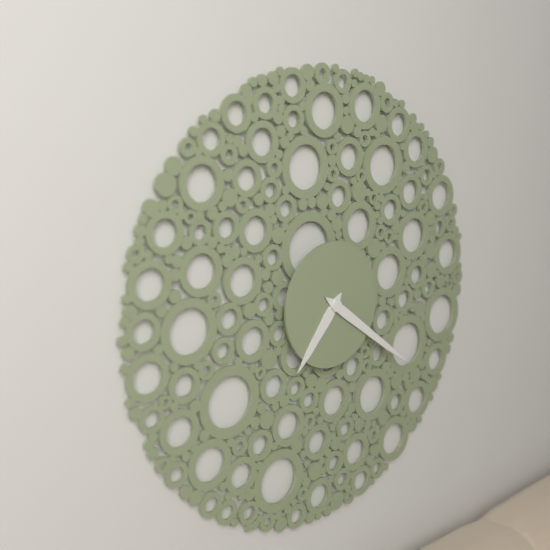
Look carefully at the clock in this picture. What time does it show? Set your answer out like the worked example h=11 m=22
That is h=7 m=21
